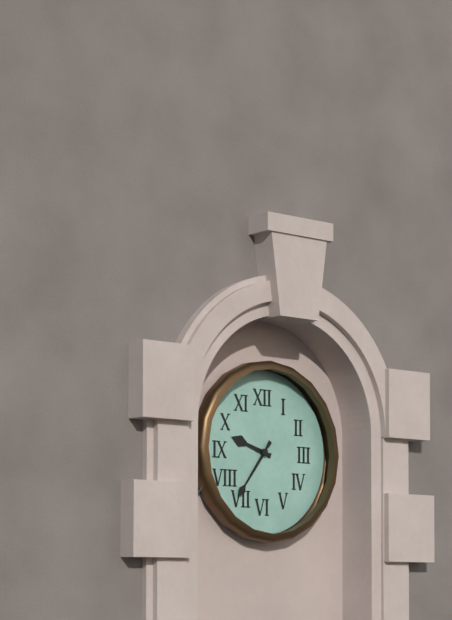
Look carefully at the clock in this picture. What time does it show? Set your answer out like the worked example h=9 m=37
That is h=9 m=36
